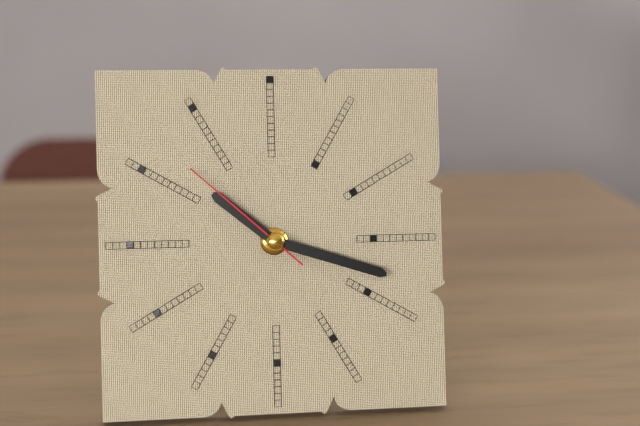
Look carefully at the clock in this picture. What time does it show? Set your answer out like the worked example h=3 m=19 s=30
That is h=10 m=18 s=52
